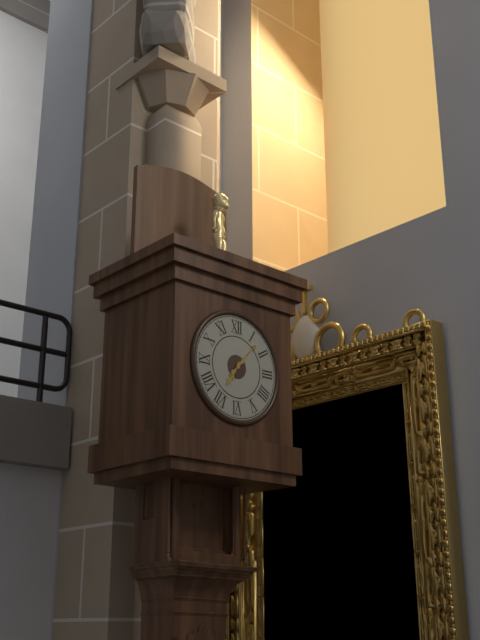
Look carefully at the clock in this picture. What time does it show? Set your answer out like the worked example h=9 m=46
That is h=7 m=7
